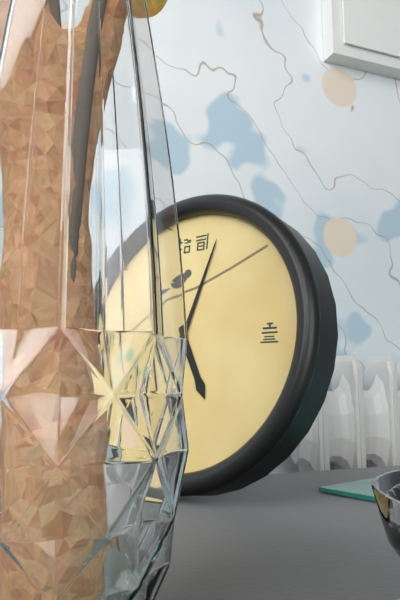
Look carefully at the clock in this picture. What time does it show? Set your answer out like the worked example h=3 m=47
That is h=5 m=3
